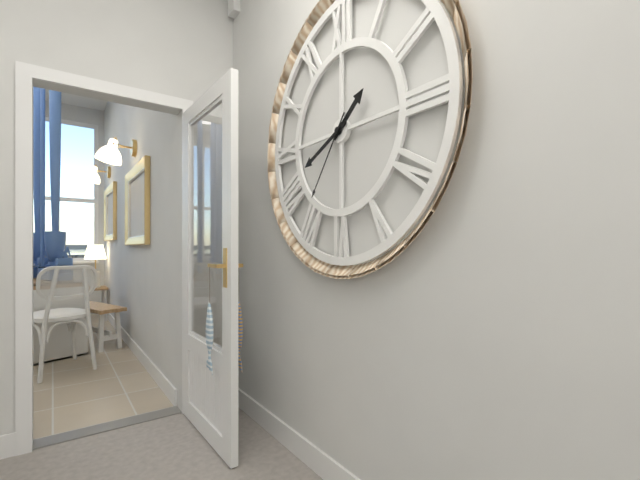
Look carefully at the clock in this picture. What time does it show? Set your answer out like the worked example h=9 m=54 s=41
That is h=1 m=41 s=36
